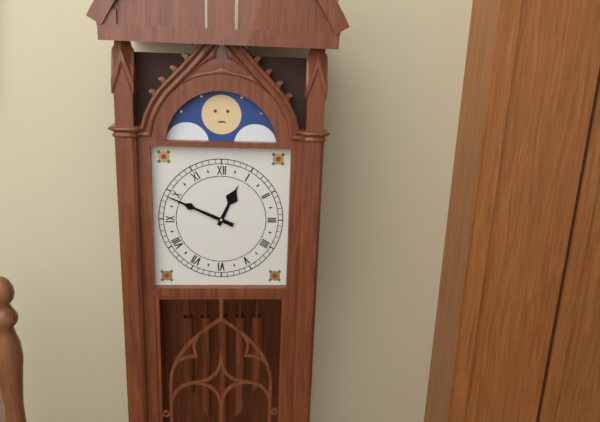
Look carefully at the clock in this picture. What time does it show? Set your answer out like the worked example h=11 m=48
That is h=12 m=49
